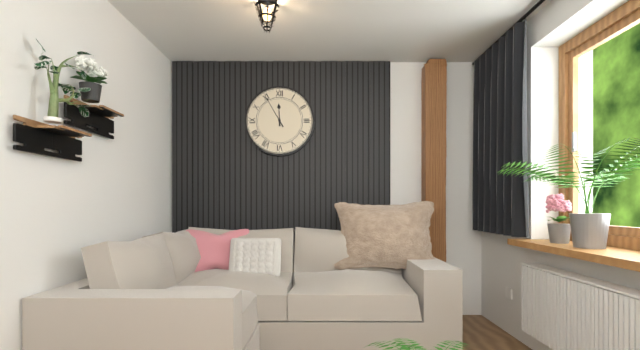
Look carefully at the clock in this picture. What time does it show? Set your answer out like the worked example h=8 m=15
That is h=11 m=55
